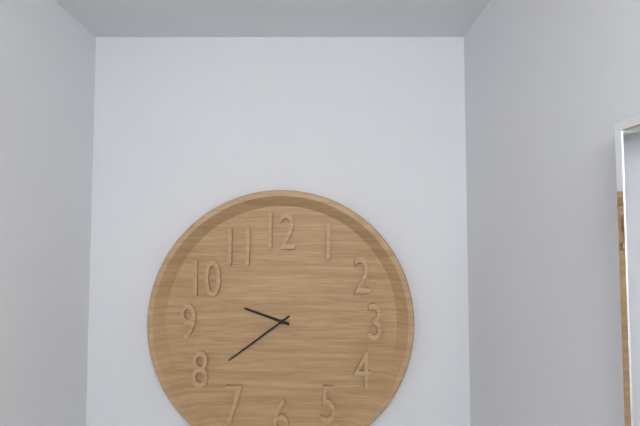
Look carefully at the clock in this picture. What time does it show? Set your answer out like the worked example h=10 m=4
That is h=9 m=39
